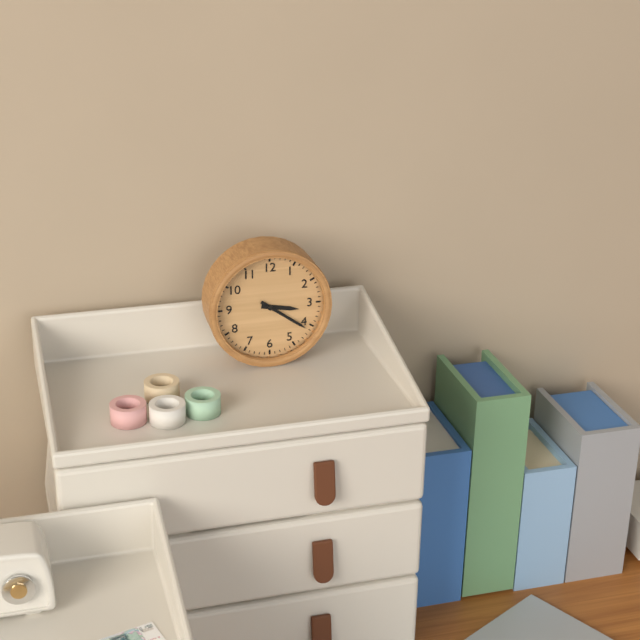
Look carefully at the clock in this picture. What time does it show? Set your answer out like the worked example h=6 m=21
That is h=3 m=21
